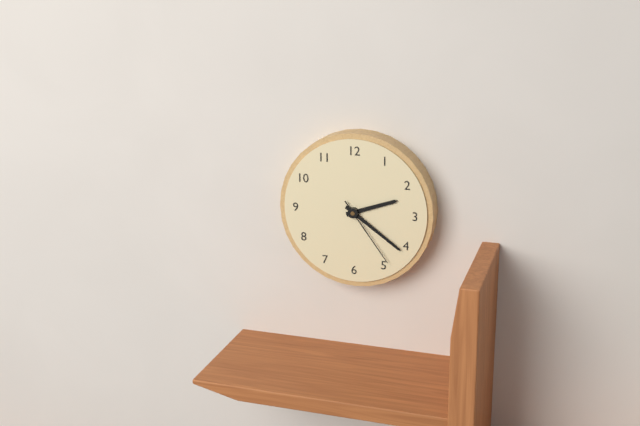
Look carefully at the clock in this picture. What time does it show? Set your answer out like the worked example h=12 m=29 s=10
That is h=2 m=21 s=24
